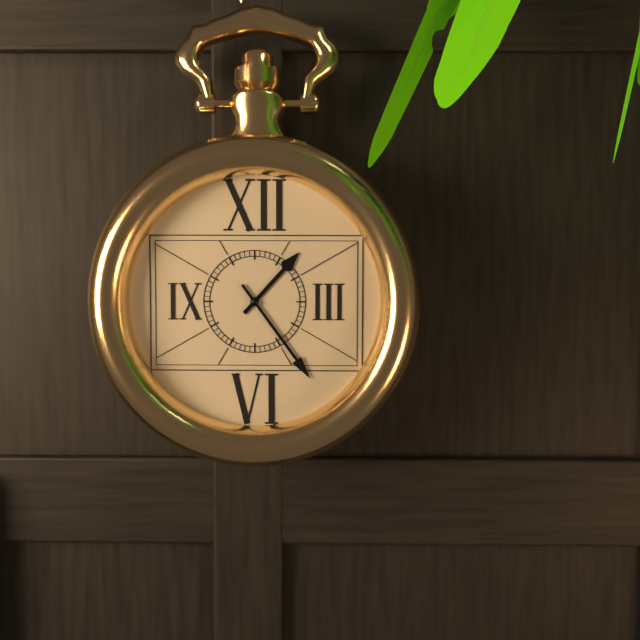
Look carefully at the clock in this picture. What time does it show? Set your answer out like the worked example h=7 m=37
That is h=1 m=24
